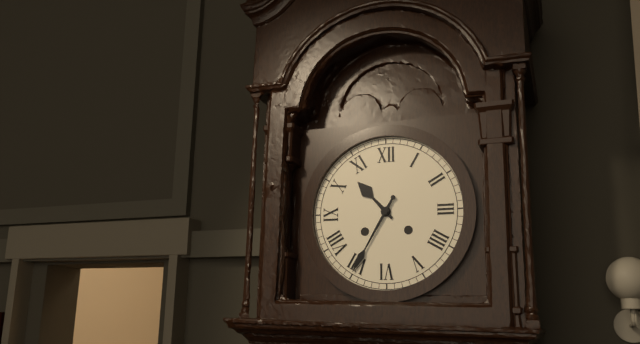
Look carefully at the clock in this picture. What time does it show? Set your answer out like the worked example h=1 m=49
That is h=10 m=35
